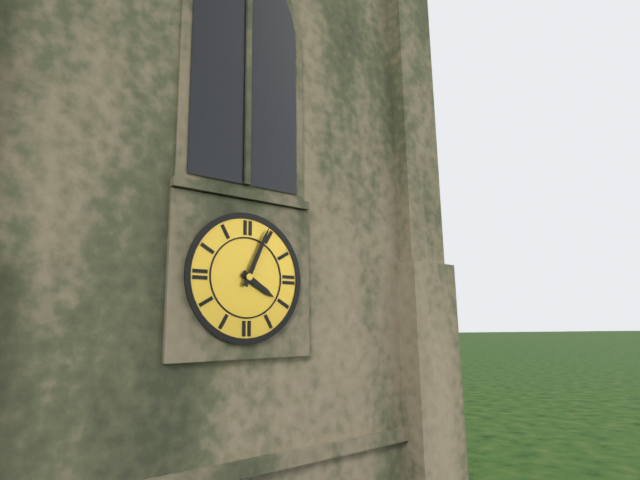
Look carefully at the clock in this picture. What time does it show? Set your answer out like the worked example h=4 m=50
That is h=4 m=4
